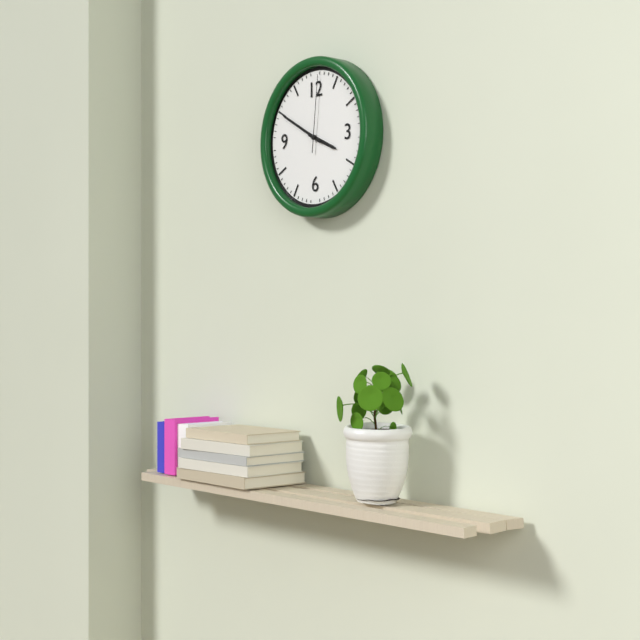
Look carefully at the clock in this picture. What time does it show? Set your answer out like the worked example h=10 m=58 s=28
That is h=3 m=50 s=1
